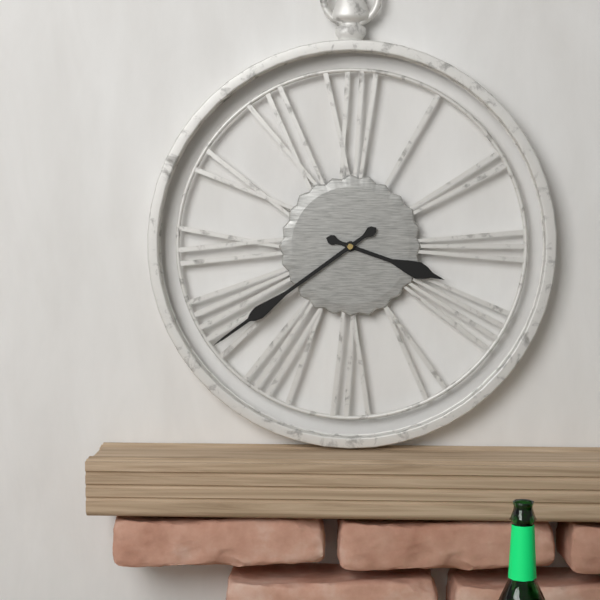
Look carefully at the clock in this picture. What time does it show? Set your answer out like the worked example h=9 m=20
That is h=3 m=39
